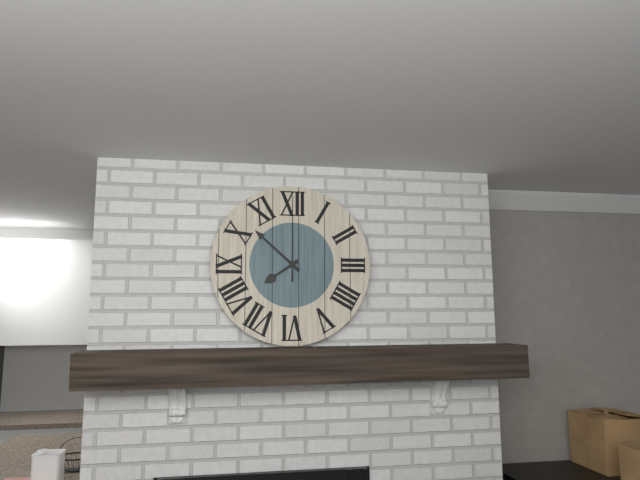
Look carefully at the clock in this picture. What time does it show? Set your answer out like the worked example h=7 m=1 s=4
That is h=7 m=52 s=0
